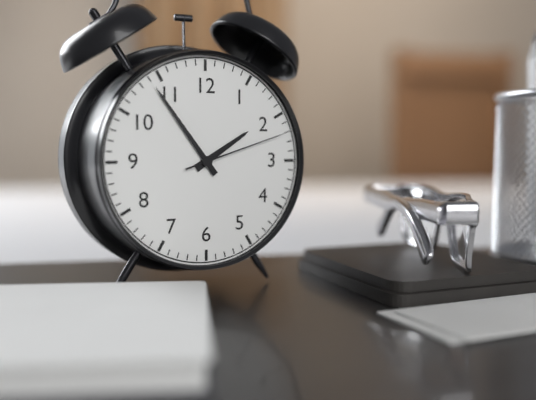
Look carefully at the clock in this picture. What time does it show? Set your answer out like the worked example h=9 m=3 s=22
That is h=1 m=54 s=12
